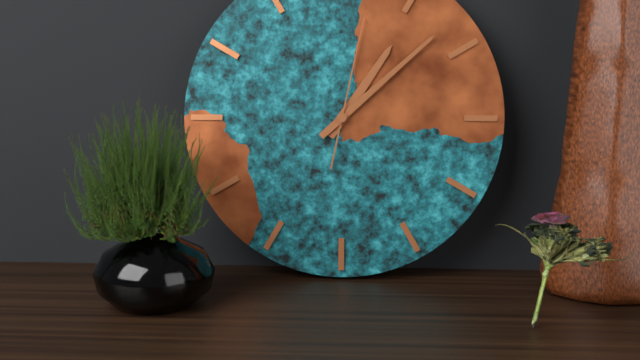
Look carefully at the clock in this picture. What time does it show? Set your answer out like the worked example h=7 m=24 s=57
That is h=1 m=8 s=2
